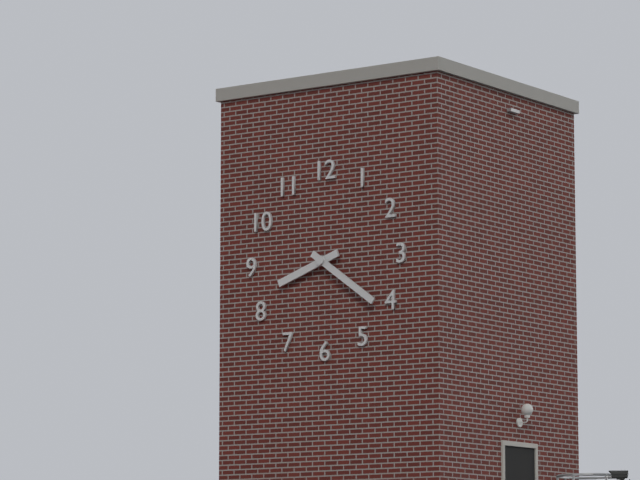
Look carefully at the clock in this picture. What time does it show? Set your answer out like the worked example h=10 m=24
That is h=8 m=21
